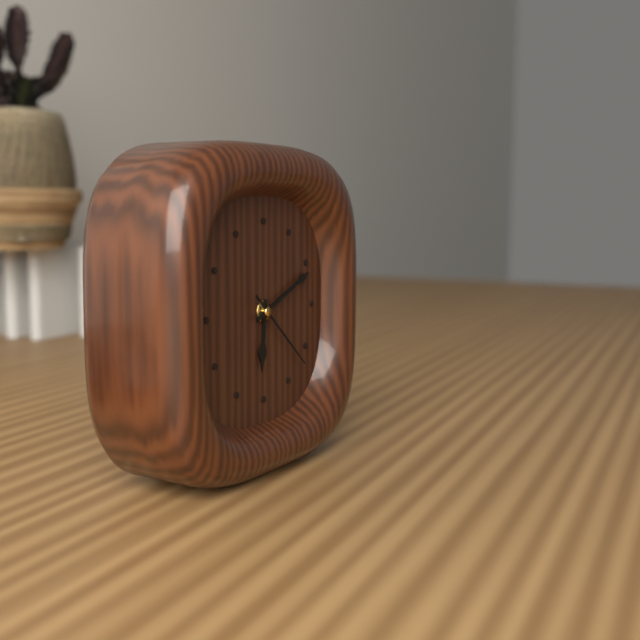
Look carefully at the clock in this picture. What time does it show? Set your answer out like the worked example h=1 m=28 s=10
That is h=6 m=11 s=22
